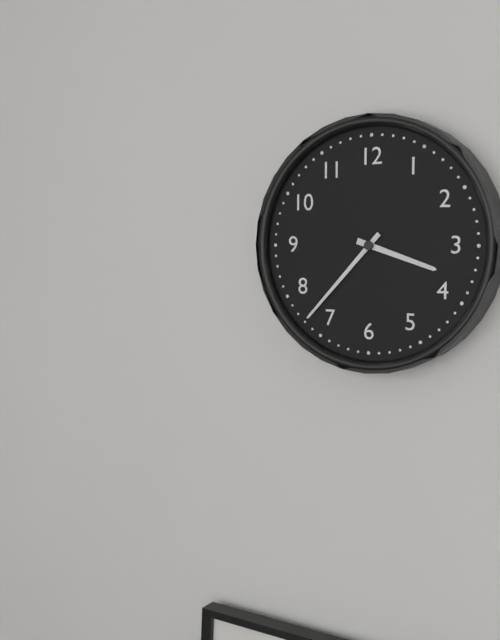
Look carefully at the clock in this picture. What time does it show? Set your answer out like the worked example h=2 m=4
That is h=3 m=37
